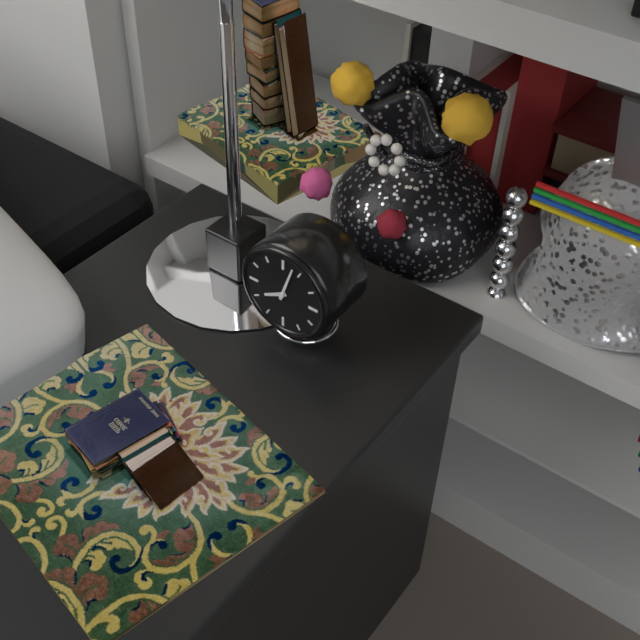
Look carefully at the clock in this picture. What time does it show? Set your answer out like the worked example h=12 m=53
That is h=8 m=3
